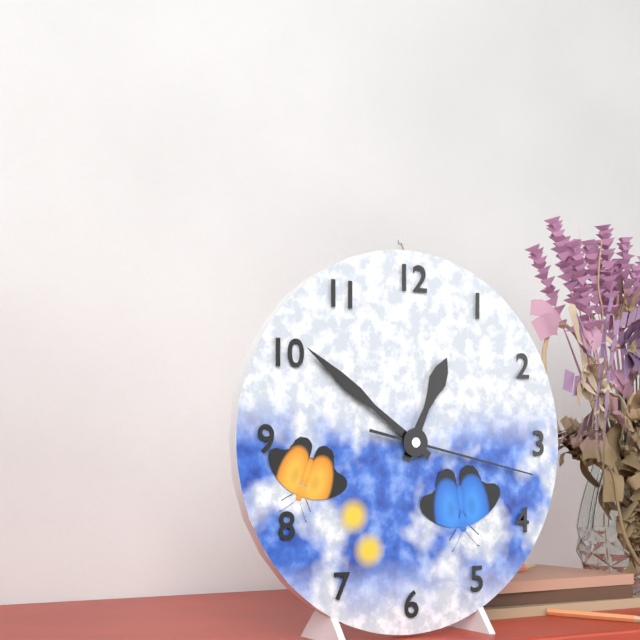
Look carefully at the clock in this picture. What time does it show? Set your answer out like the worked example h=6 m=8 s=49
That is h=12 m=51 s=17
